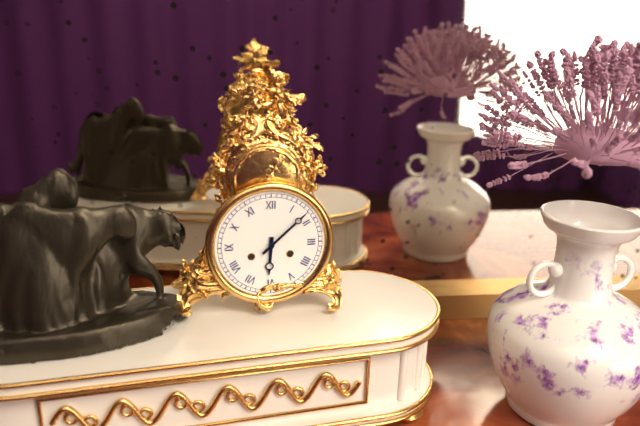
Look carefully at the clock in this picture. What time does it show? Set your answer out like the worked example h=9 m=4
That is h=6 m=8
